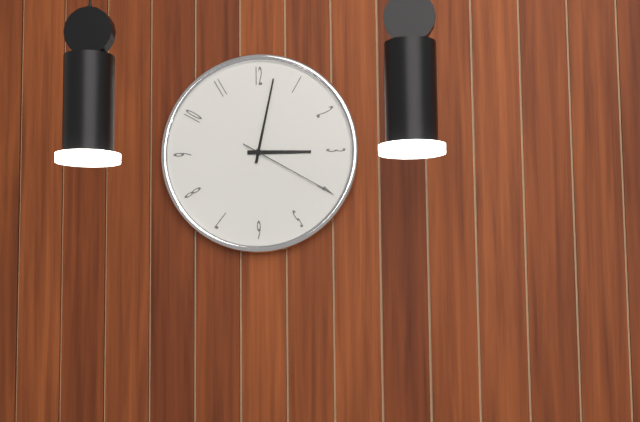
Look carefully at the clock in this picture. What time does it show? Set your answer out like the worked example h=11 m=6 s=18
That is h=3 m=2 s=20
